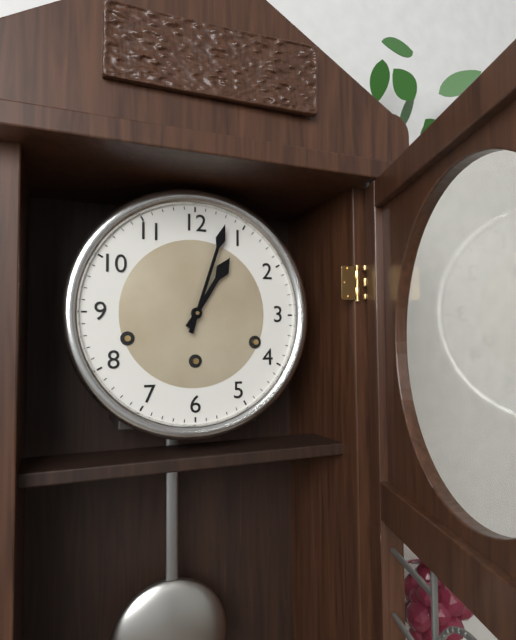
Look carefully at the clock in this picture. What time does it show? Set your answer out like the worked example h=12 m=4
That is h=1 m=3
